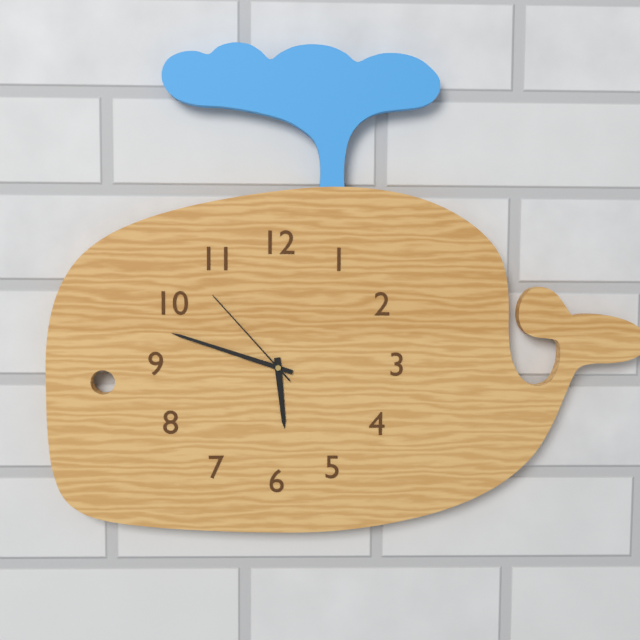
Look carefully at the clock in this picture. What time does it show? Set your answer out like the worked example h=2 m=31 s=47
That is h=5 m=48 s=53
